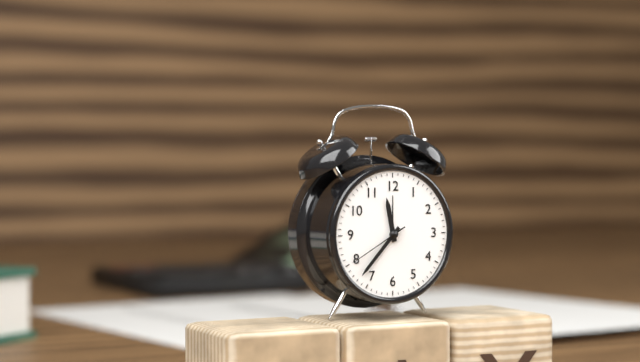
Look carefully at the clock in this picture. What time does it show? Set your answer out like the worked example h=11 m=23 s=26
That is h=11 m=37 s=40
